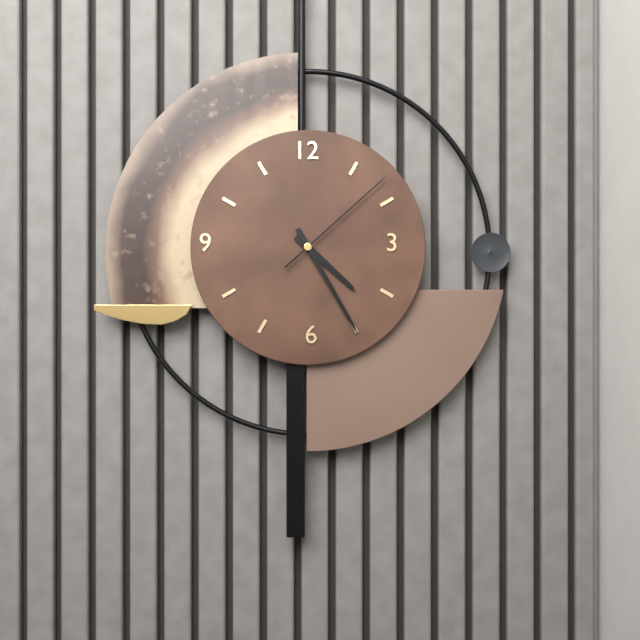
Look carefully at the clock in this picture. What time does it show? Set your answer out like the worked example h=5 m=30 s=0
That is h=4 m=25 s=8
